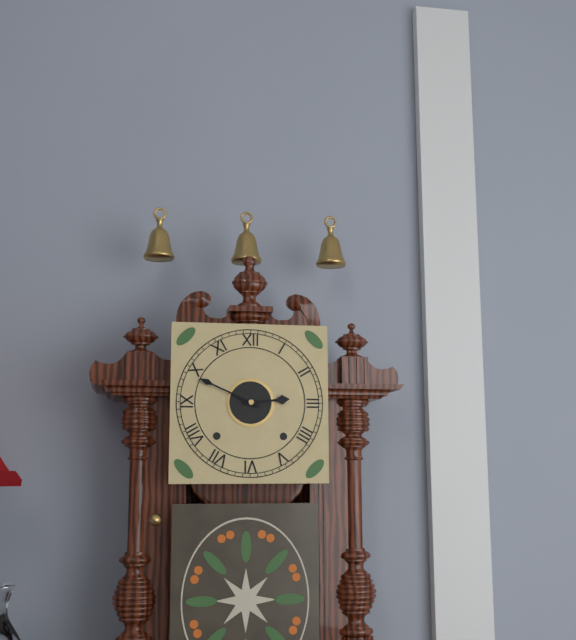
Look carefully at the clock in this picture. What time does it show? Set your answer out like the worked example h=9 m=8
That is h=2 m=49
